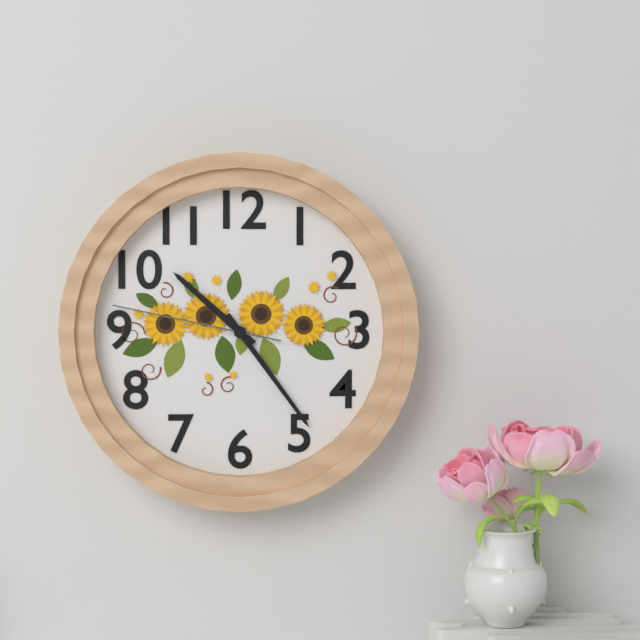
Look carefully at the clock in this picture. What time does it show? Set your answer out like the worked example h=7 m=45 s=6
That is h=10 m=24 s=47
